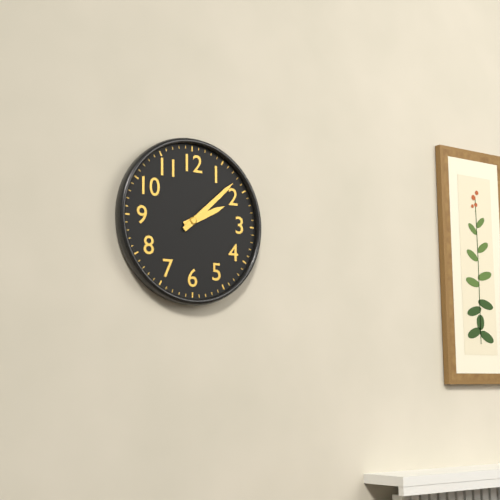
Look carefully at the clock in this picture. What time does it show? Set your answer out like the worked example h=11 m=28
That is h=2 m=8
